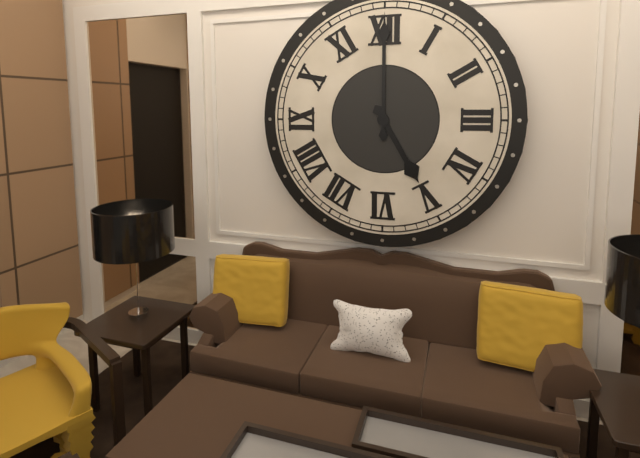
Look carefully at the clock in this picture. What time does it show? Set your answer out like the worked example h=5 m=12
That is h=5 m=0
